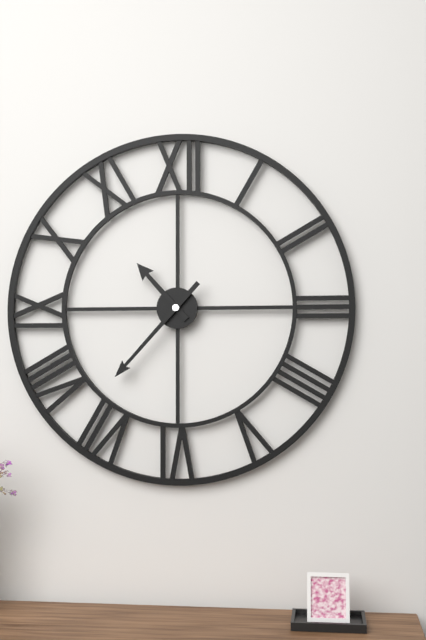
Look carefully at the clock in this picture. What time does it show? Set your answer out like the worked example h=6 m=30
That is h=10 m=37
